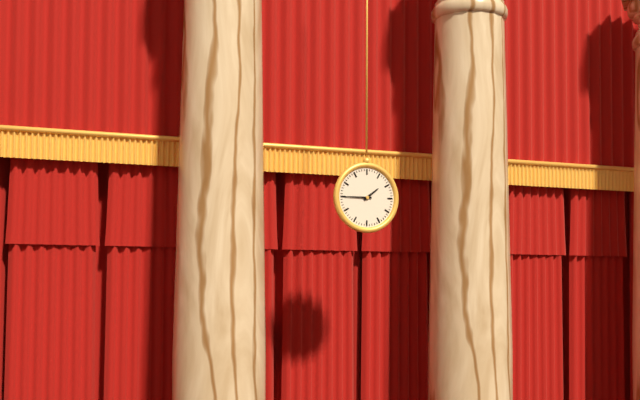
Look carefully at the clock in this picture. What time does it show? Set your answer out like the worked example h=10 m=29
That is h=1 m=45
